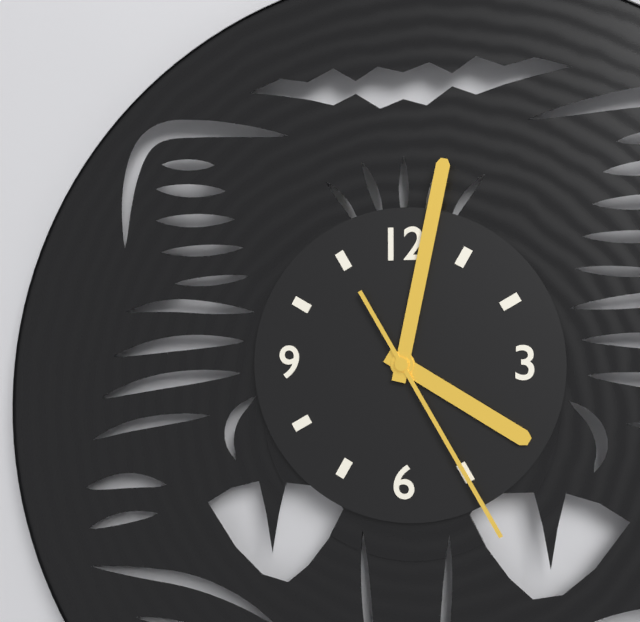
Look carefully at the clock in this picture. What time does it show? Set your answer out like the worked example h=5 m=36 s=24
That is h=4 m=2 s=25
